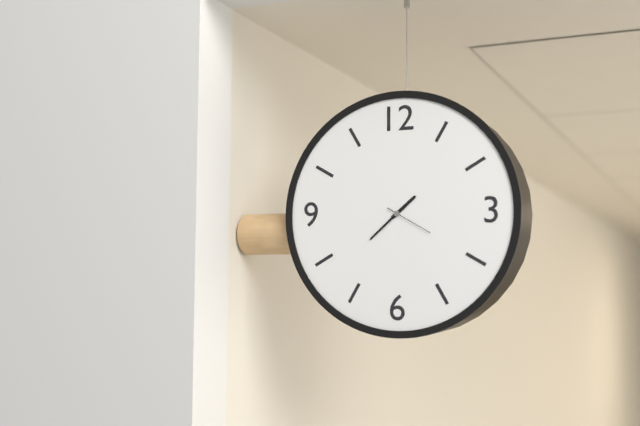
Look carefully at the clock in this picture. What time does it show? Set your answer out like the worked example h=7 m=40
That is h=1 m=38
